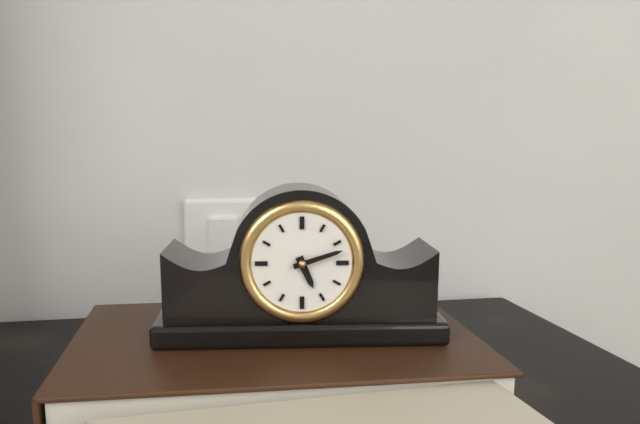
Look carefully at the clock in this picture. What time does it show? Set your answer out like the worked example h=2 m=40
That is h=5 m=12
